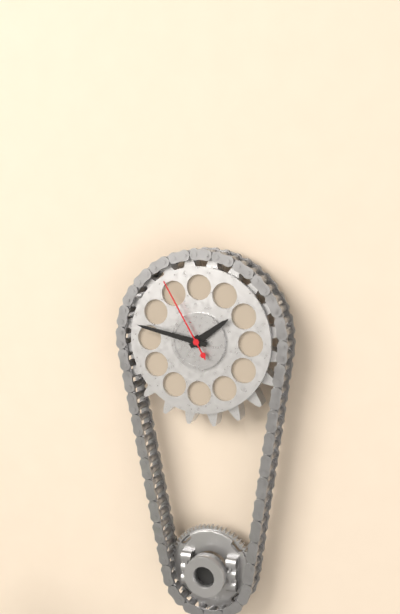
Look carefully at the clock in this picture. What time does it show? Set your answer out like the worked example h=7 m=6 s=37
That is h=1 m=47 s=55
